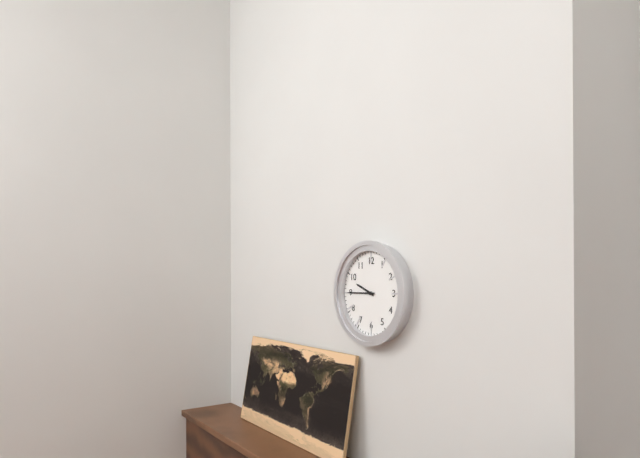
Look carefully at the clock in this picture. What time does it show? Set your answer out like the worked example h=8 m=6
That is h=9 m=45
